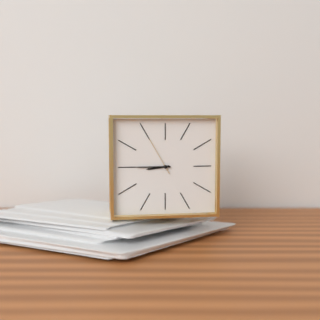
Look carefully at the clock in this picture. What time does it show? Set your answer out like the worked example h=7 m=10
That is h=8 m=45
